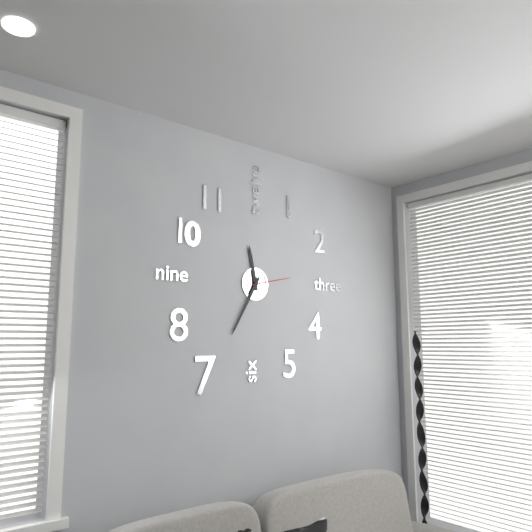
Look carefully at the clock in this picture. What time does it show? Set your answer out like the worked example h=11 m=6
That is h=11 m=35
